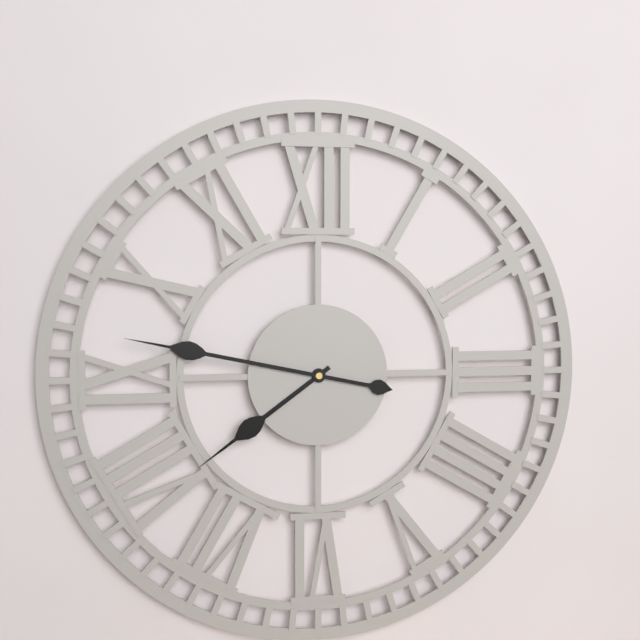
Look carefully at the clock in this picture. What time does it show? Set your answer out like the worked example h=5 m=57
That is h=7 m=47
